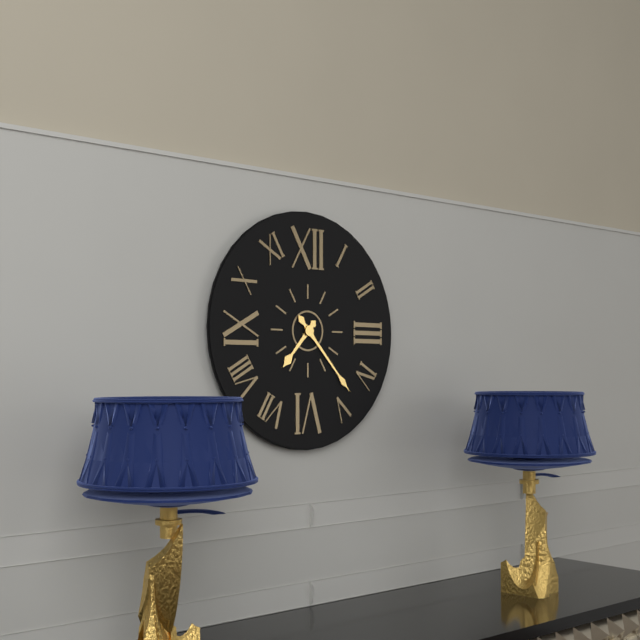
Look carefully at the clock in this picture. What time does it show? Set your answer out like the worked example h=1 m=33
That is h=7 m=23
